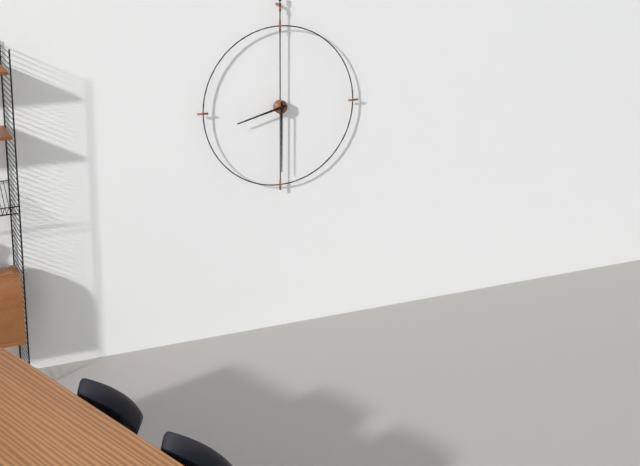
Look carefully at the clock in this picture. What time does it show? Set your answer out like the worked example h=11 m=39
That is h=8 m=30
